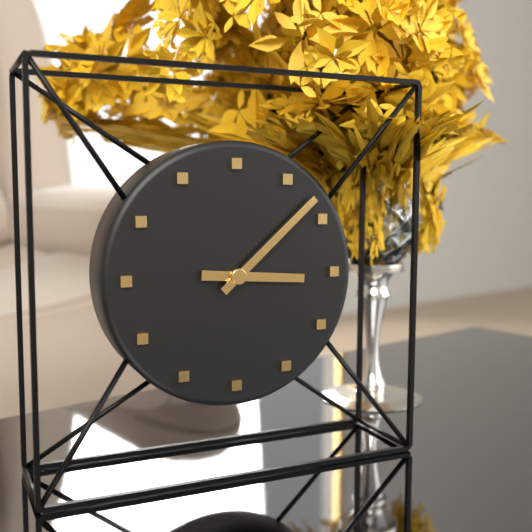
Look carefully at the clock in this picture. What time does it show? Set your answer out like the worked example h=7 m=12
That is h=3 m=8
